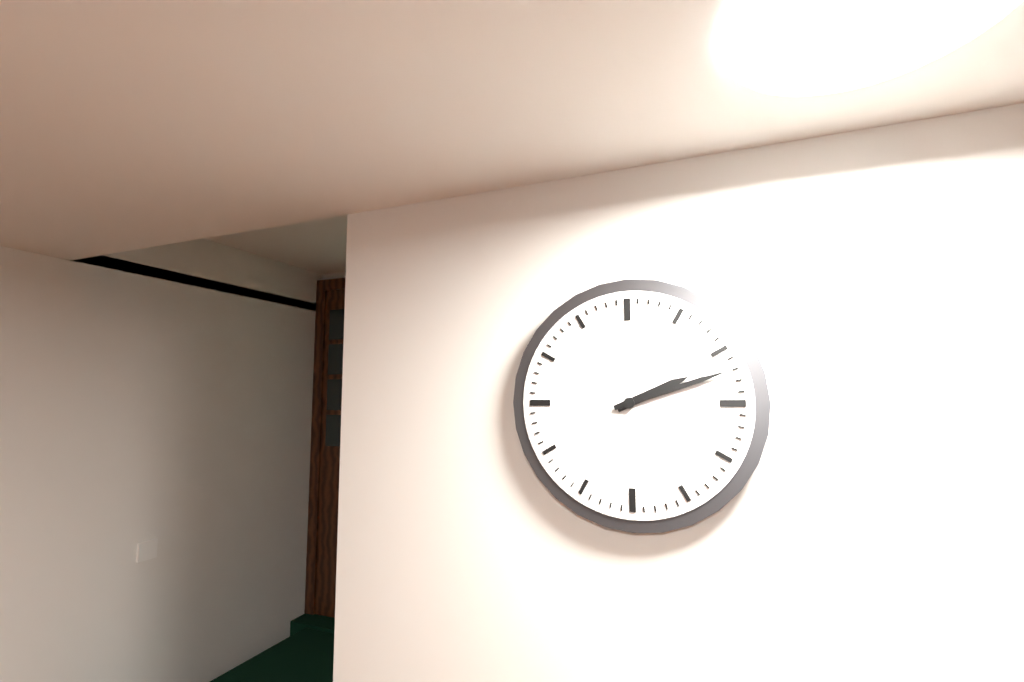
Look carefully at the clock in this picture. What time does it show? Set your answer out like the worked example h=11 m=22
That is h=2 m=12
